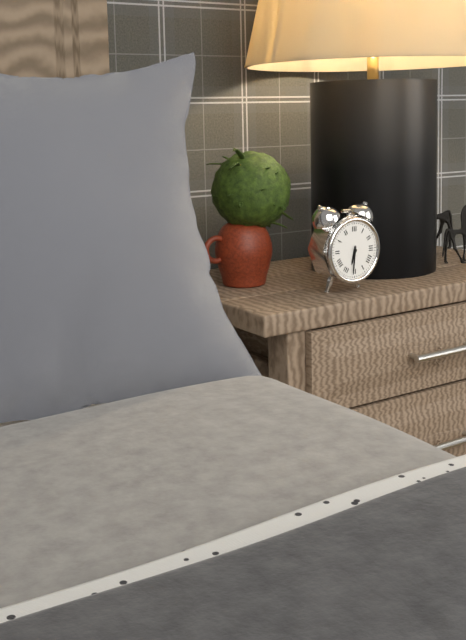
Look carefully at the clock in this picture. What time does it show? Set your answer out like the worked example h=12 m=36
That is h=6 m=31
